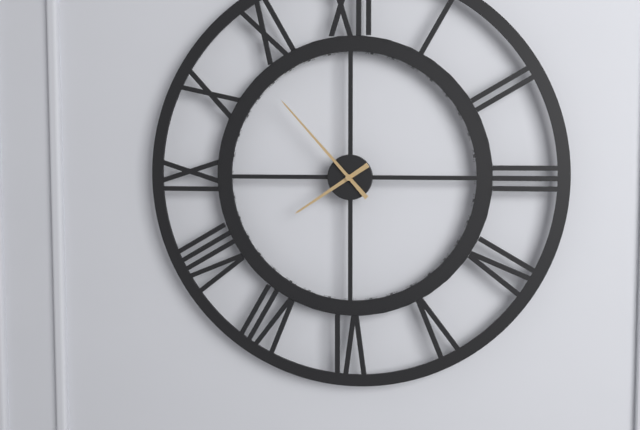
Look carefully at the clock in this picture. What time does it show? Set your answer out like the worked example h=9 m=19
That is h=7 m=53
